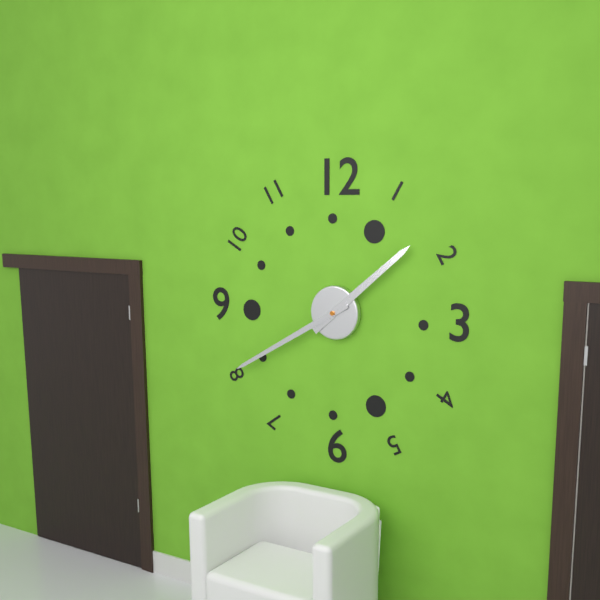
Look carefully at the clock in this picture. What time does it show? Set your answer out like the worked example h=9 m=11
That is h=1 m=40
